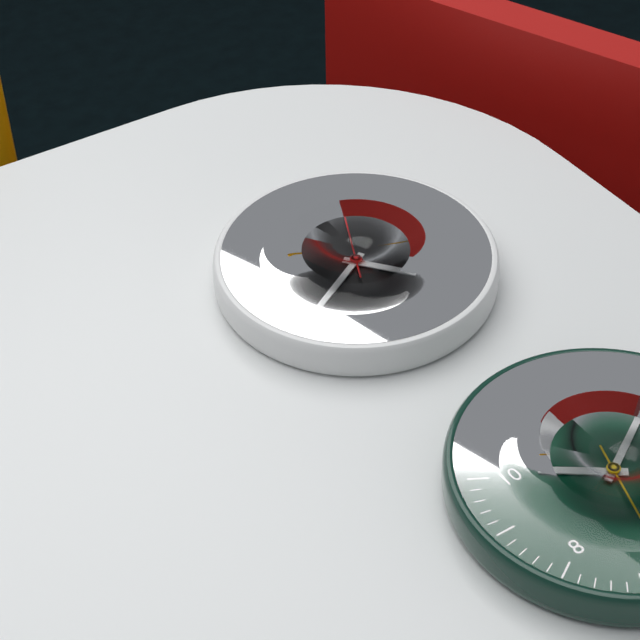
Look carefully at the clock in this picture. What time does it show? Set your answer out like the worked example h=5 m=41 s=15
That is h=4 m=40 s=4
